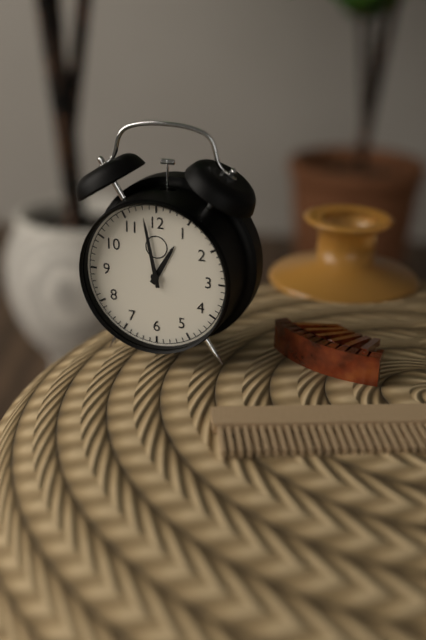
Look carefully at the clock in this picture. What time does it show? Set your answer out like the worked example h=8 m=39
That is h=12 m=58
